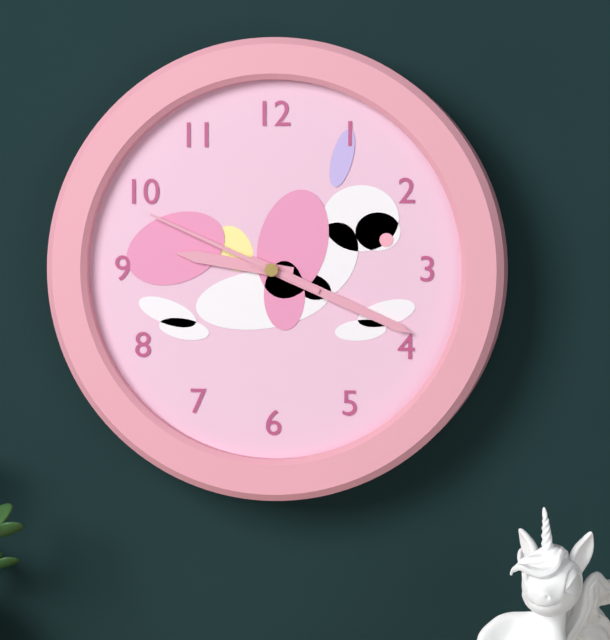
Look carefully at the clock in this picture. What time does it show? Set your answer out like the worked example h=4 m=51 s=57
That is h=9 m=19 s=49
